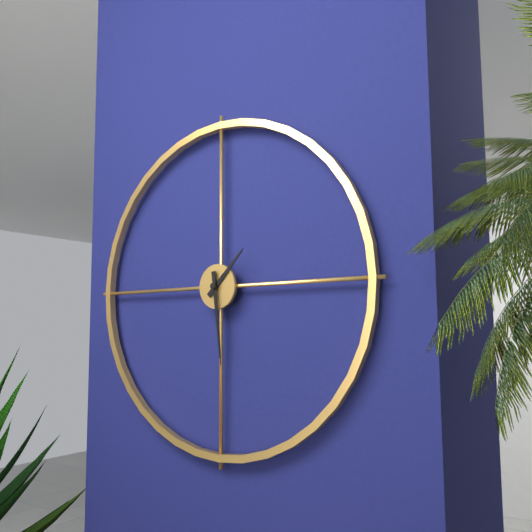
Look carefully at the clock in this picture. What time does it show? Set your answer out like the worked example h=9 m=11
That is h=1 m=29
